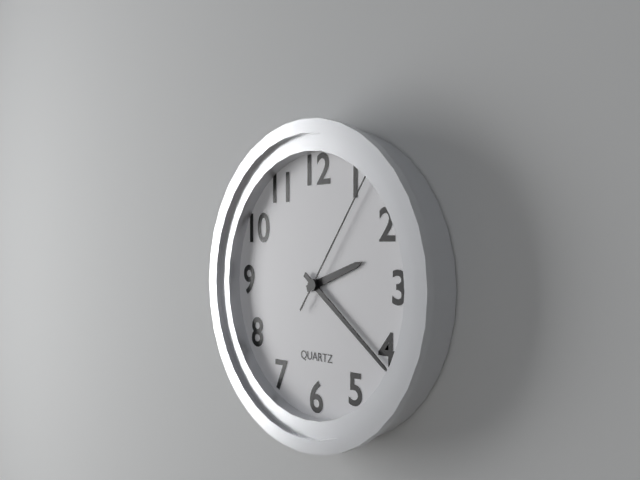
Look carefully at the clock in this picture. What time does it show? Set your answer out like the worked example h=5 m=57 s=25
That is h=2 m=21 s=6
